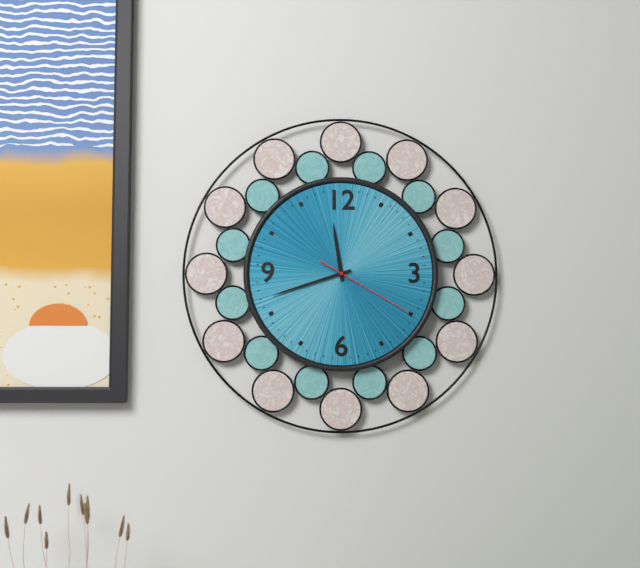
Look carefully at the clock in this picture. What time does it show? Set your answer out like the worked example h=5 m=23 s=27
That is h=11 m=42 s=20
